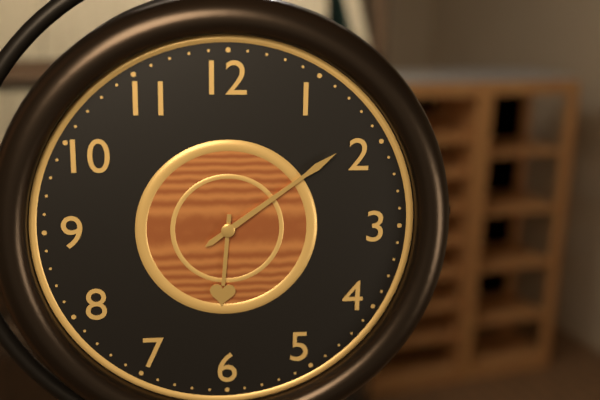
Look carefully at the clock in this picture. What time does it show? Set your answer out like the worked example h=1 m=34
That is h=6 m=9
